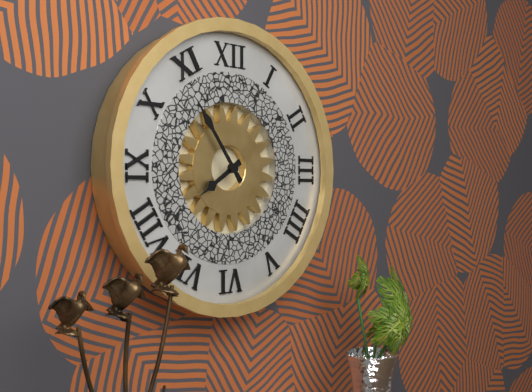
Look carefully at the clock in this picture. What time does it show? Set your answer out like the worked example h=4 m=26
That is h=7 m=54
